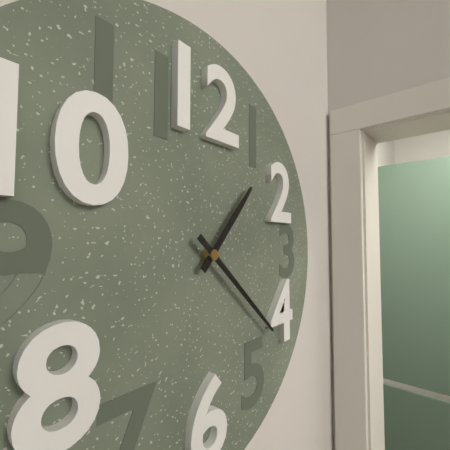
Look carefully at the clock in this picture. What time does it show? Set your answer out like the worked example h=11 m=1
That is h=1 m=22
